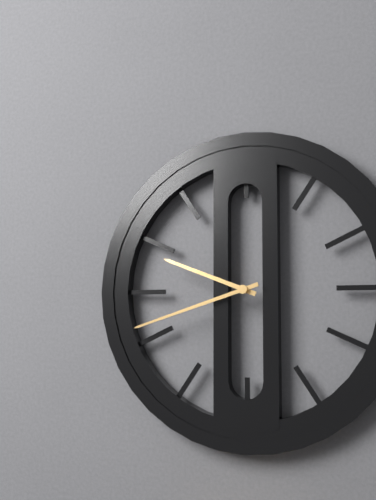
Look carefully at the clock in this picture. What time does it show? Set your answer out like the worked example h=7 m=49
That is h=9 m=42
